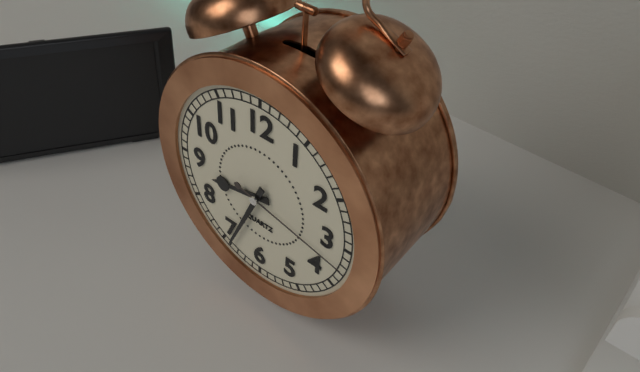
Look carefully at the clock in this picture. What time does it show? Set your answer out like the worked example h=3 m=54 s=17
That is h=8 m=34 s=17
